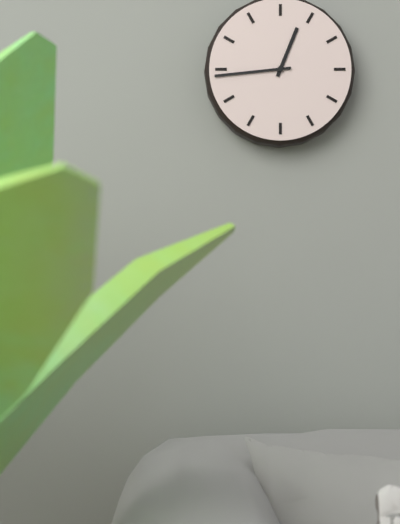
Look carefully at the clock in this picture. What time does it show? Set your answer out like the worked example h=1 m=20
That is h=12 m=44
